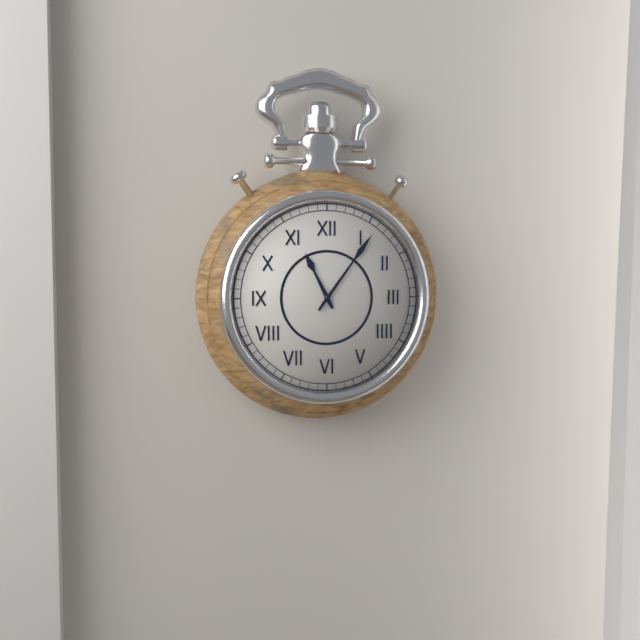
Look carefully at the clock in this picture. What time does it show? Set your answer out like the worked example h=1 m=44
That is h=11 m=6
